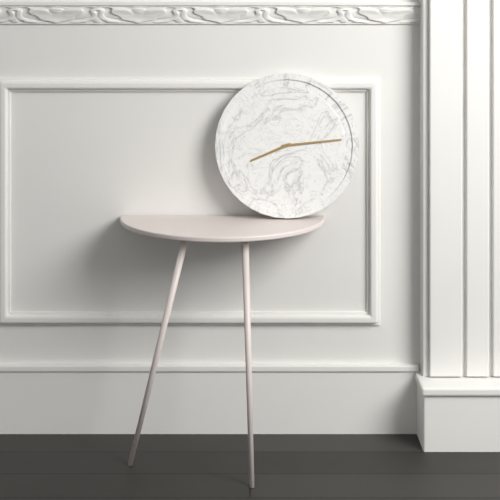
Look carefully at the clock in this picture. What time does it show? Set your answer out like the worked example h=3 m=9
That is h=8 m=14
